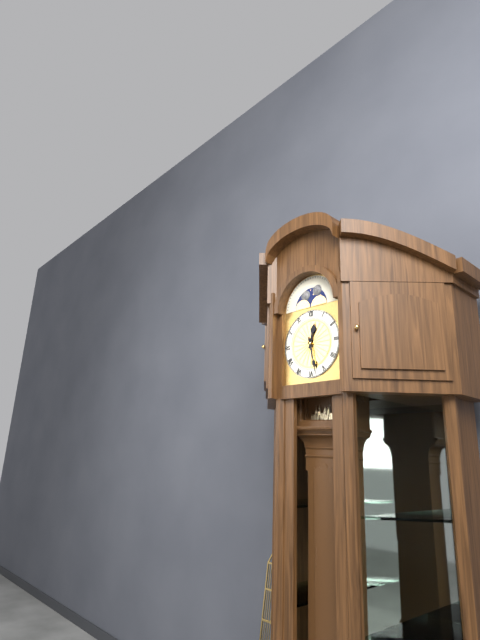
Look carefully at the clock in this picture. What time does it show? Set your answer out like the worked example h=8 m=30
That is h=12 m=28
